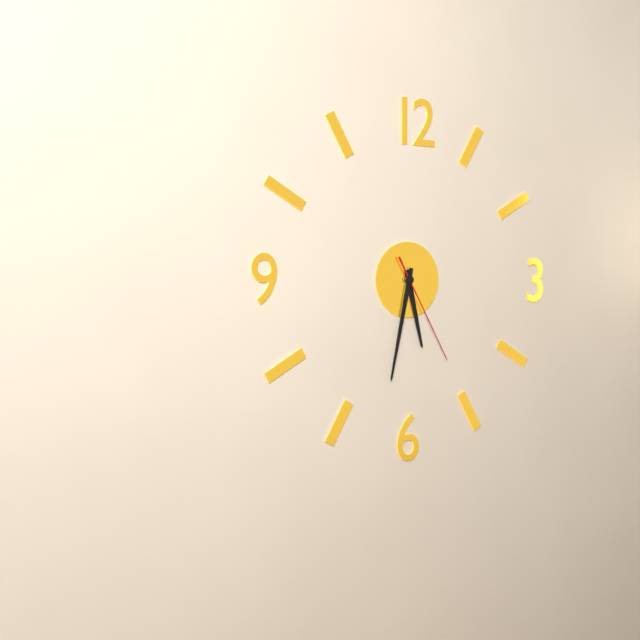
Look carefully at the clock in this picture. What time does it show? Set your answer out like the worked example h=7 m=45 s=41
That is h=5 m=32 s=25
